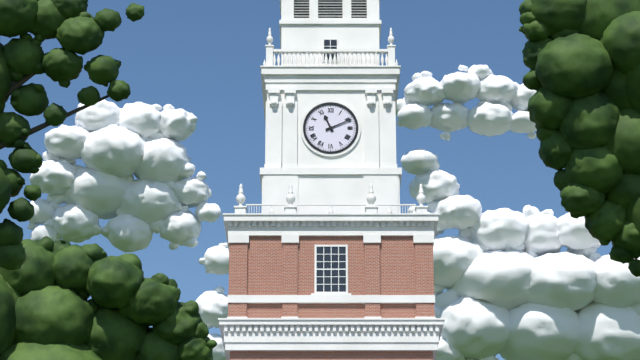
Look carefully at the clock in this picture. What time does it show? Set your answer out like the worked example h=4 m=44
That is h=11 m=11
